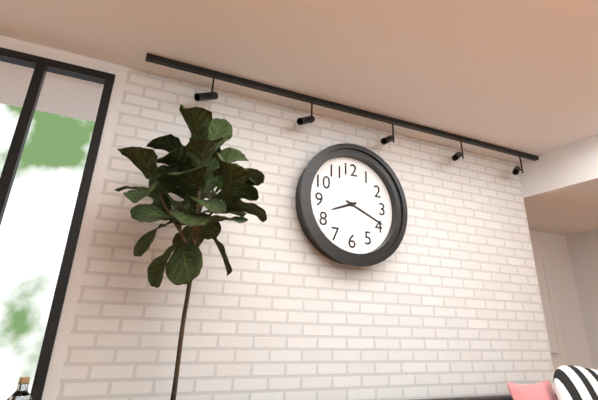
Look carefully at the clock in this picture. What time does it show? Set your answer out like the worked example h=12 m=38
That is h=8 m=19
